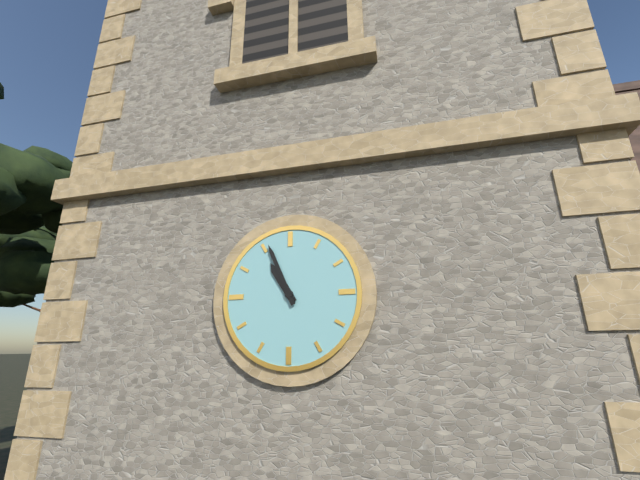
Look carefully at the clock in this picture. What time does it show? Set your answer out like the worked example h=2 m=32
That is h=10 m=56
